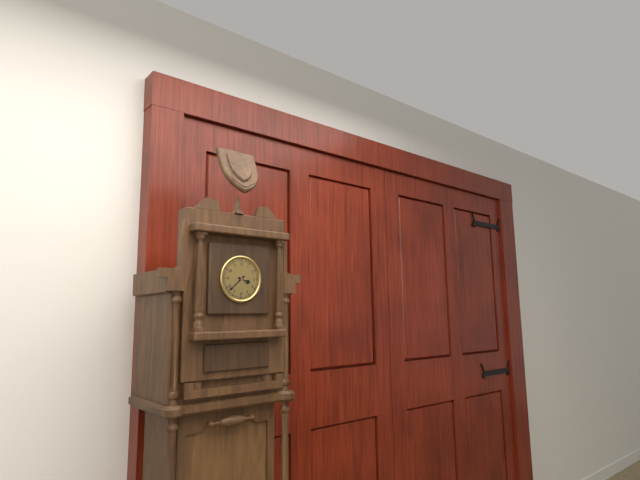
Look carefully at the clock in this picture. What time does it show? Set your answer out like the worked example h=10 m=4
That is h=3 m=38
